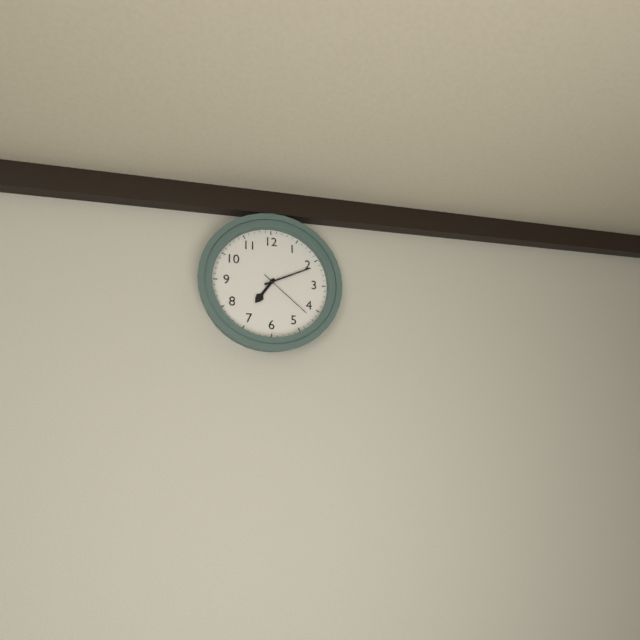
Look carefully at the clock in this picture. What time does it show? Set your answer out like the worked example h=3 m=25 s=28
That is h=7 m=11 s=22
